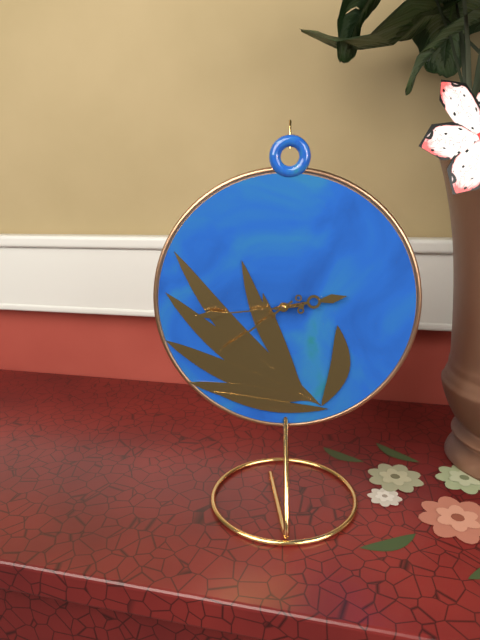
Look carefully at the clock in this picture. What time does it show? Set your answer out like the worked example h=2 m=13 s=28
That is h=2 m=39 s=44
